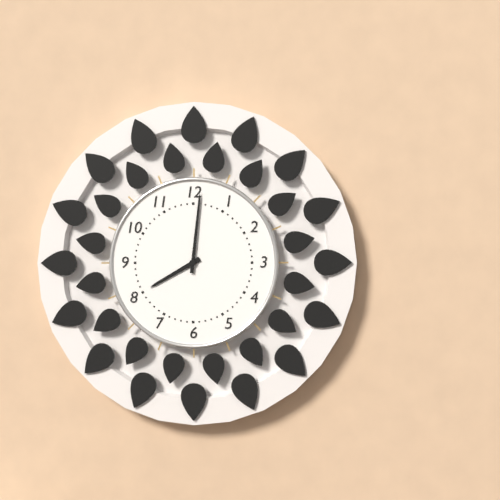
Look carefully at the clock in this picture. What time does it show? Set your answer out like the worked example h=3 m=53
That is h=8 m=1
